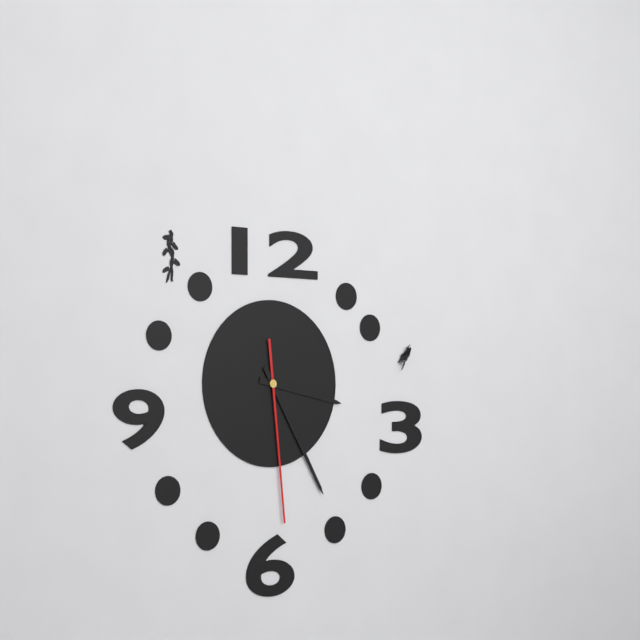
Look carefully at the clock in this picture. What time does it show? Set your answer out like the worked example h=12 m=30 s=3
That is h=3 m=25 s=29
